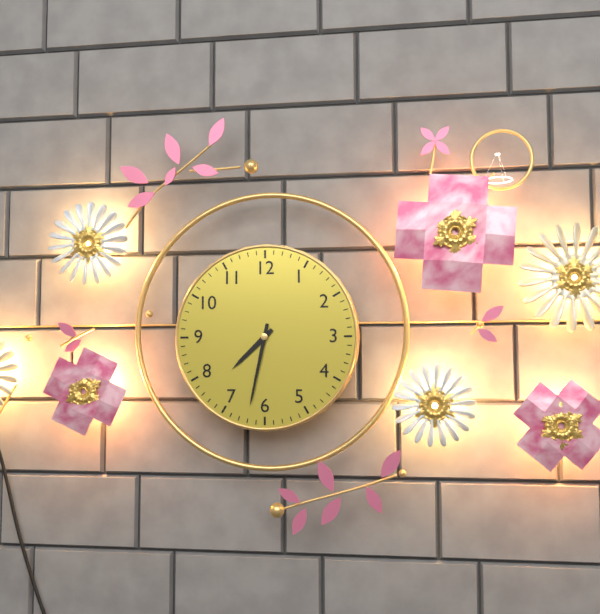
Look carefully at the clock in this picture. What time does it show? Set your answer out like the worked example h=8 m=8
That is h=7 m=32
